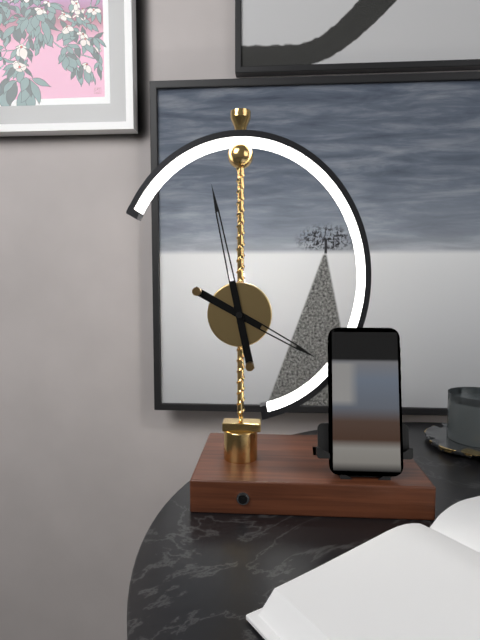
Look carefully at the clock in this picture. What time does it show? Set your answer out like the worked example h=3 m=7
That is h=3 m=58
